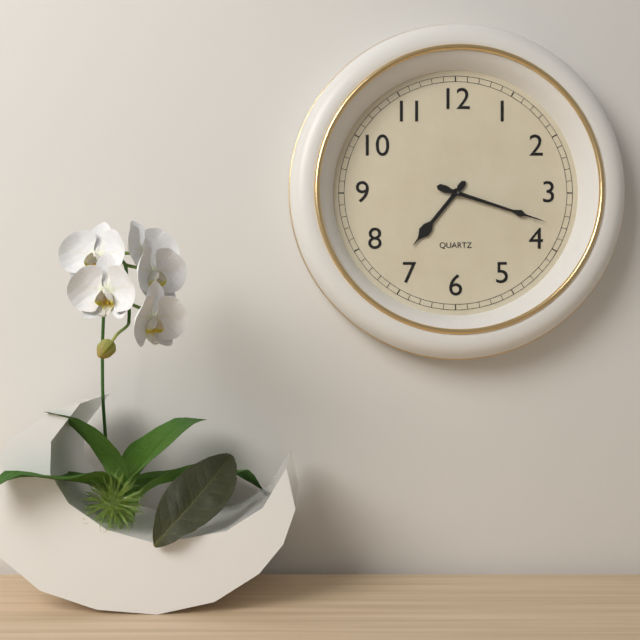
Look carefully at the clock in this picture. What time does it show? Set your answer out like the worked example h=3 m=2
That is h=7 m=18
